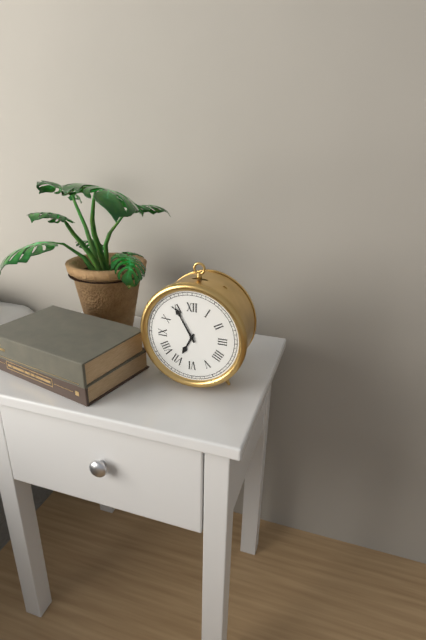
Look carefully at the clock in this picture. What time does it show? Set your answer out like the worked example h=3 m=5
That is h=6 m=55
